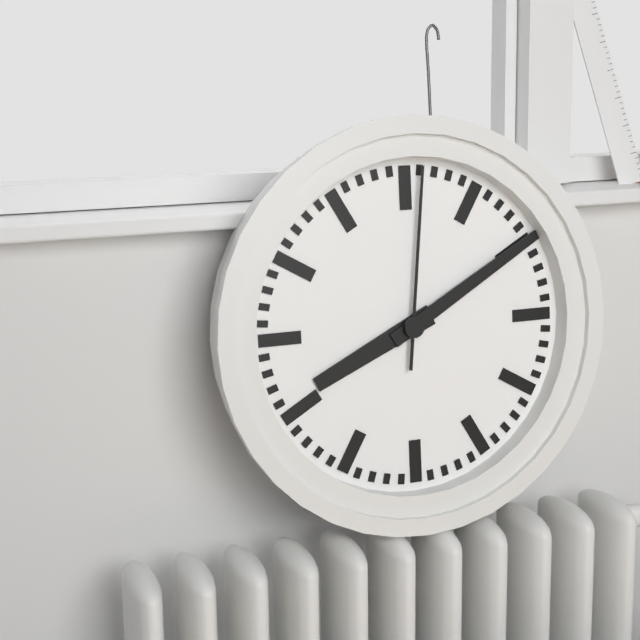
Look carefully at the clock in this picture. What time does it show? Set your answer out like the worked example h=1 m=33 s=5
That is h=8 m=10 s=1
